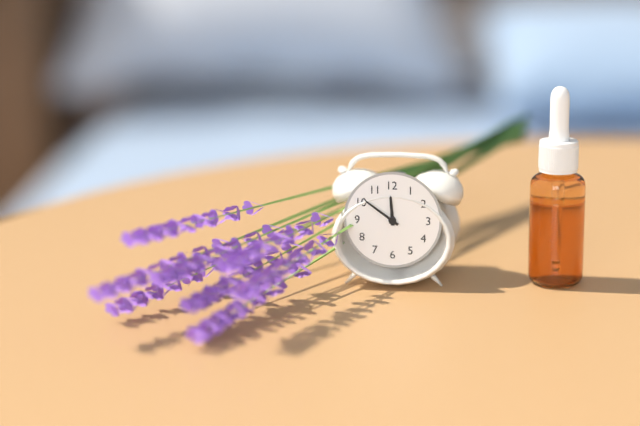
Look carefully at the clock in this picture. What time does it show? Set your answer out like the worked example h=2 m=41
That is h=11 m=51
